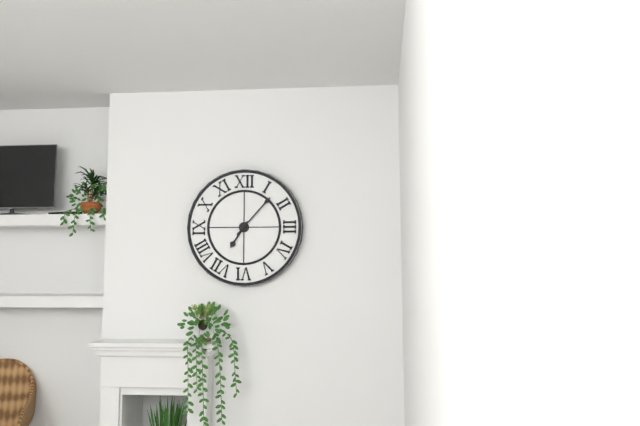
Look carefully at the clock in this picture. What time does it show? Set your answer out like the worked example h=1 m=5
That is h=7 m=7
